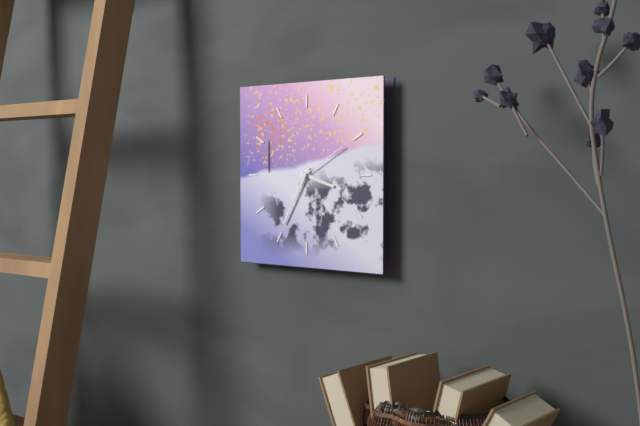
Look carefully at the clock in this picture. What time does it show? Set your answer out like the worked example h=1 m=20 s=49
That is h=3 m=35 s=10
